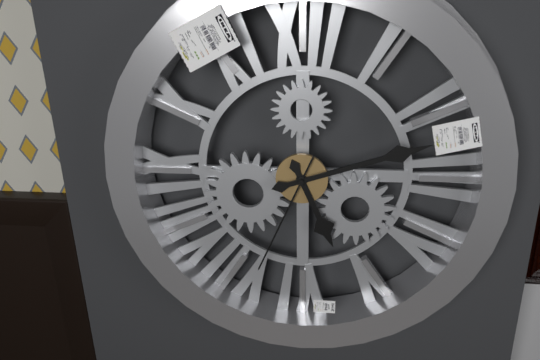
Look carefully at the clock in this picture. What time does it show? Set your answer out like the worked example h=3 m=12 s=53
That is h=5 m=12 s=34
